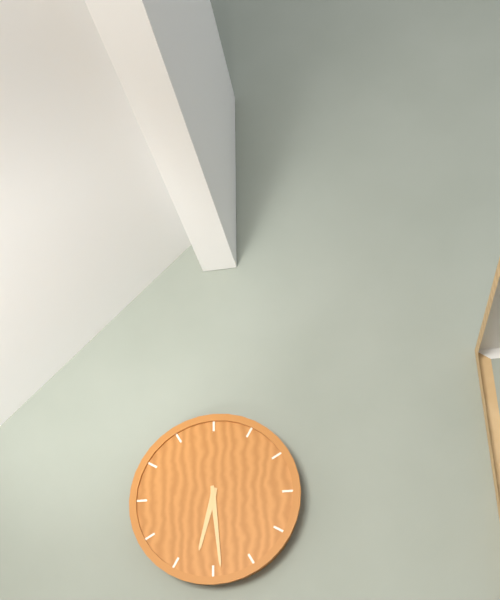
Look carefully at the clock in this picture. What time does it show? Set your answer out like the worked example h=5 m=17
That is h=6 m=29
